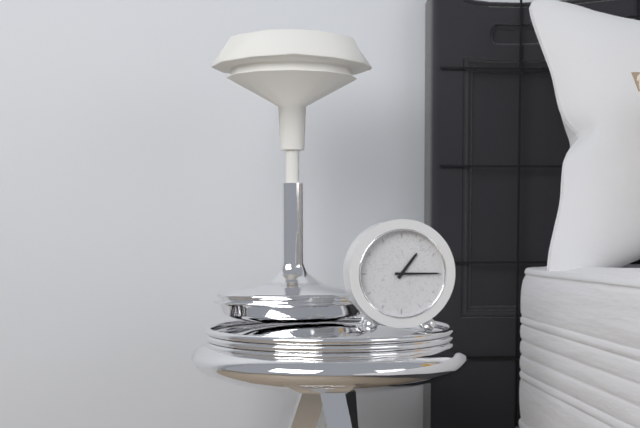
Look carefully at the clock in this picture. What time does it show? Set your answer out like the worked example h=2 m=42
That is h=1 m=15
